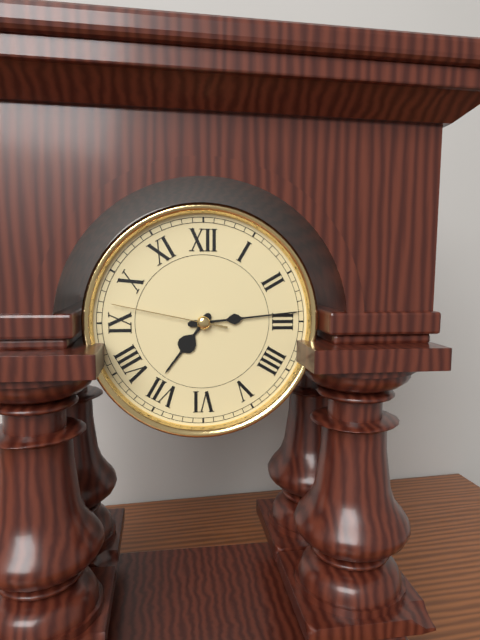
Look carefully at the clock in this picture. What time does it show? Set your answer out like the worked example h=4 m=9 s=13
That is h=7 m=14 s=47
